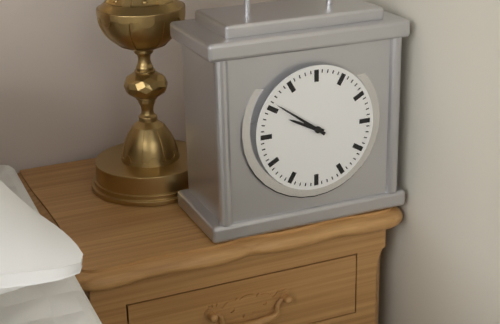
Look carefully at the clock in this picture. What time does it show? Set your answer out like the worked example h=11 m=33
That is h=9 m=51
